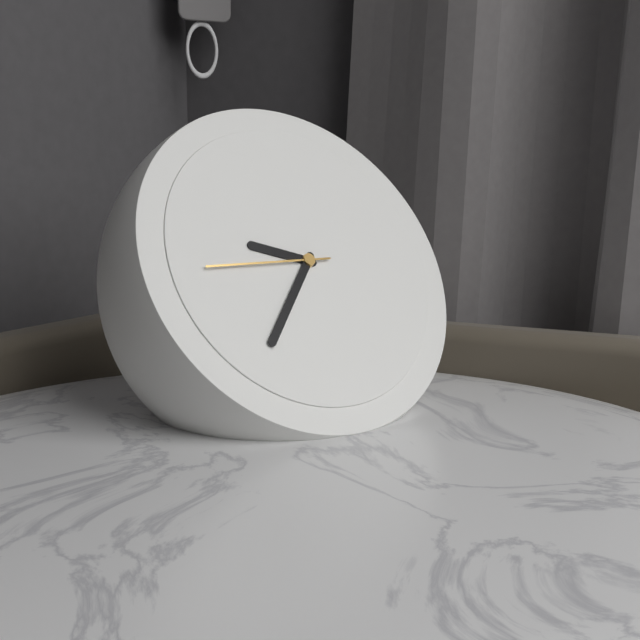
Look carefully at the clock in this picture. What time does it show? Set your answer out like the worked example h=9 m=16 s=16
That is h=9 m=37 s=45
